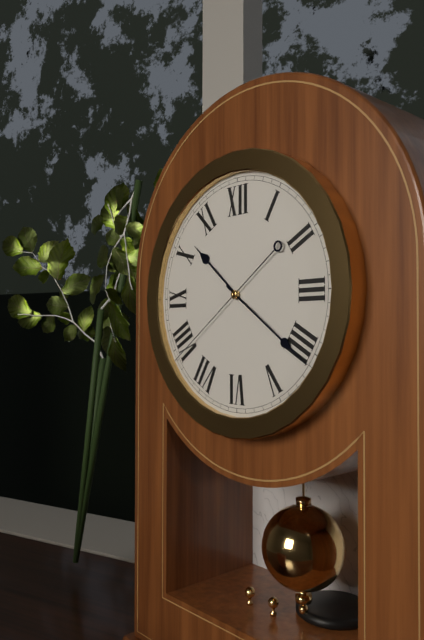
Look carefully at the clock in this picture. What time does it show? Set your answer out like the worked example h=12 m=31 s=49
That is h=10 m=21 s=39
